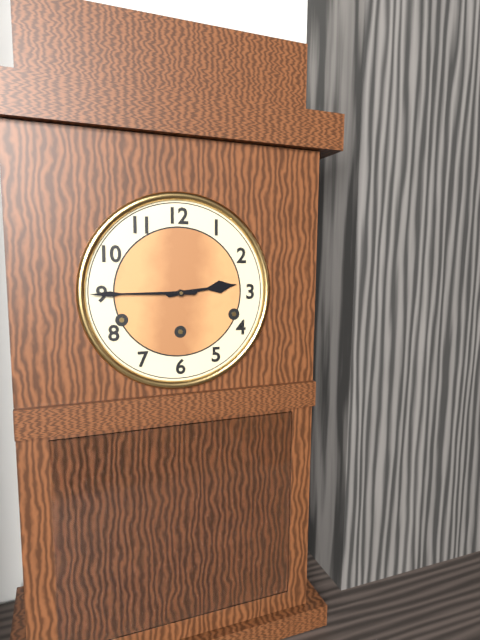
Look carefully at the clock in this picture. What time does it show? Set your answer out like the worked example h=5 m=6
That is h=2 m=45
